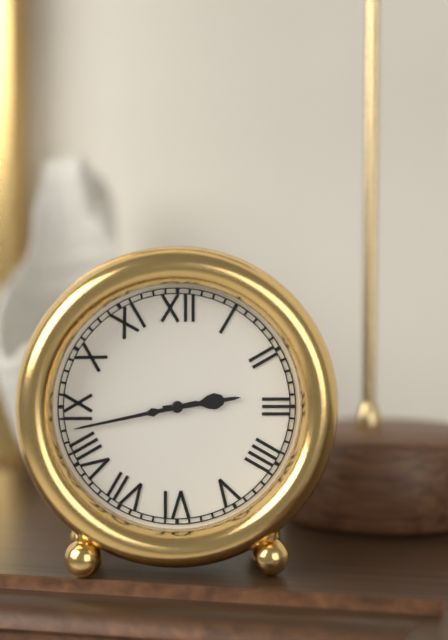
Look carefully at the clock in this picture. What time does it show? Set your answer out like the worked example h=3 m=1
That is h=2 m=43
